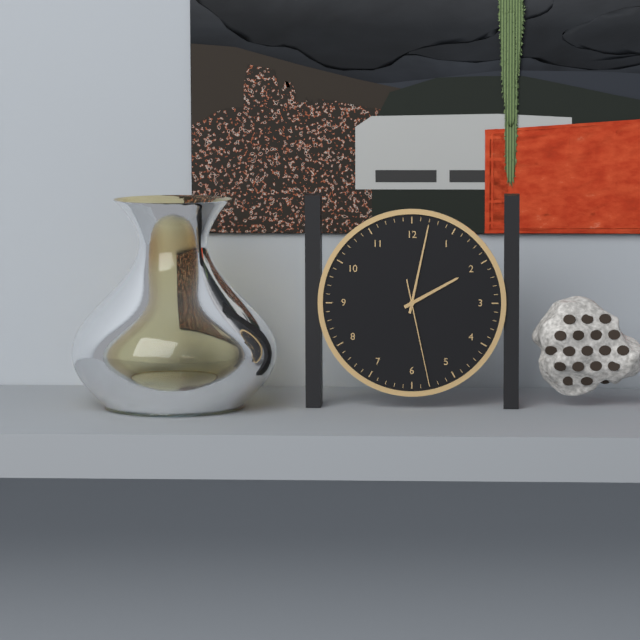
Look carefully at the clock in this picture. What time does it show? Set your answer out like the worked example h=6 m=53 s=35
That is h=2 m=2 s=28
